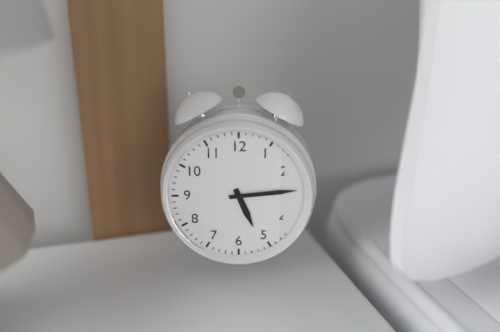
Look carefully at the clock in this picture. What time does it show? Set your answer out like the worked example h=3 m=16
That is h=5 m=14
